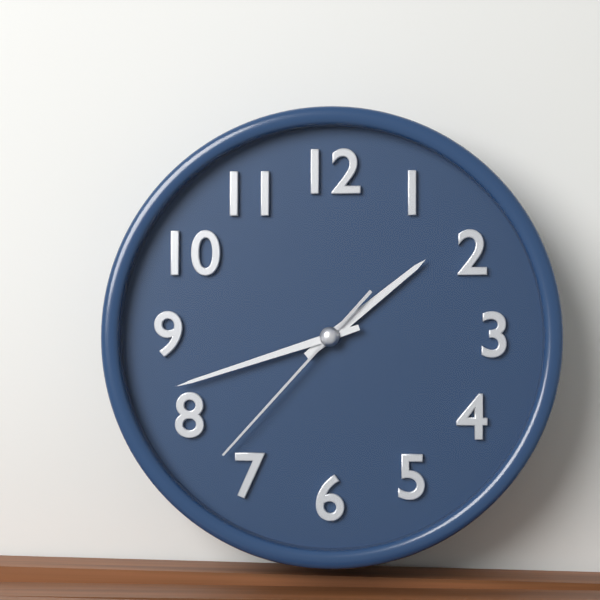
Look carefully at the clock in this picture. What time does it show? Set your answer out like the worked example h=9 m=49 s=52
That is h=1 m=42 s=37
